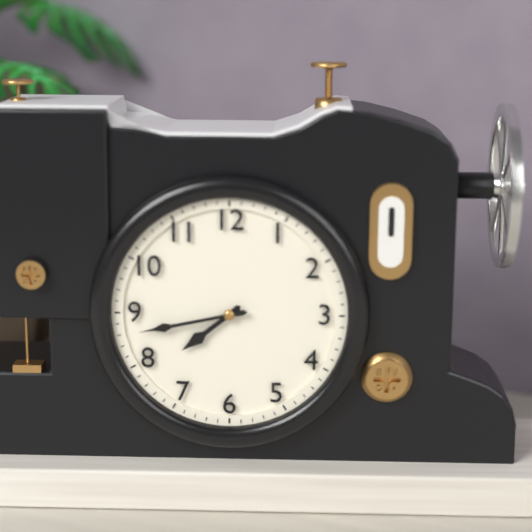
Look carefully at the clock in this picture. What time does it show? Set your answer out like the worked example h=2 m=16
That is h=7 m=43
